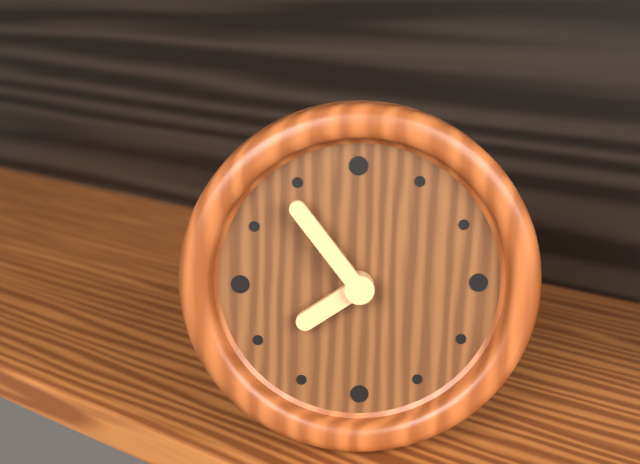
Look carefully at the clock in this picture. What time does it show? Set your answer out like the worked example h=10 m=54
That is h=7 m=54
